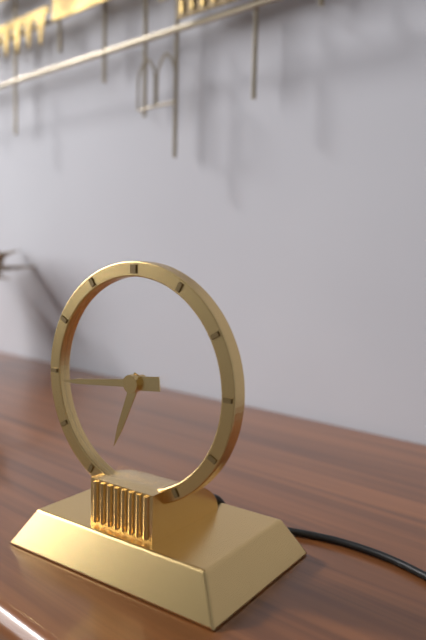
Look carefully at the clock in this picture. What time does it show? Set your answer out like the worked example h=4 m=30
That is h=6 m=44
